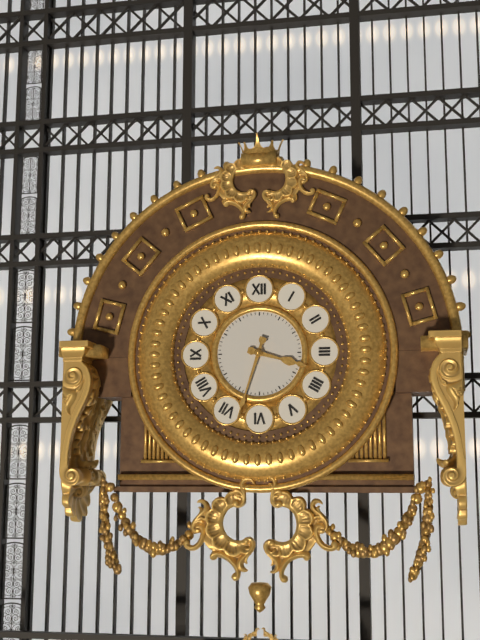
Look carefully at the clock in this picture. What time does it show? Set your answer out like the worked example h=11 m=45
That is h=3 m=33
